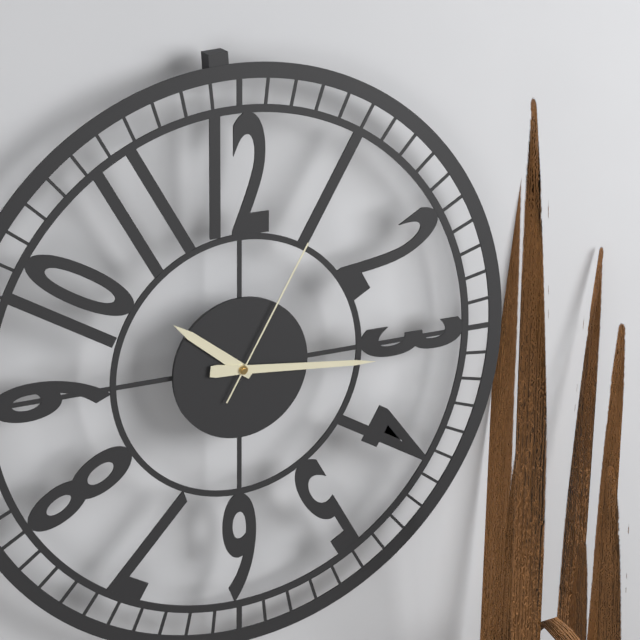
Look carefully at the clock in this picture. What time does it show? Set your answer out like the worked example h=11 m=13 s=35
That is h=10 m=16 s=5
